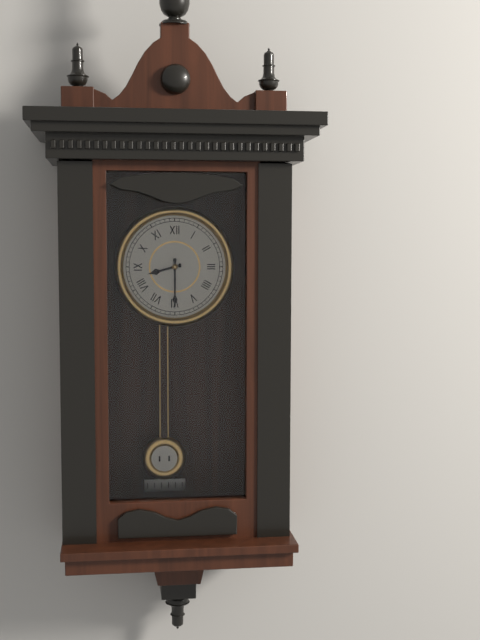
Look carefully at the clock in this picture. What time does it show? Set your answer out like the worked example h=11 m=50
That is h=8 m=30
